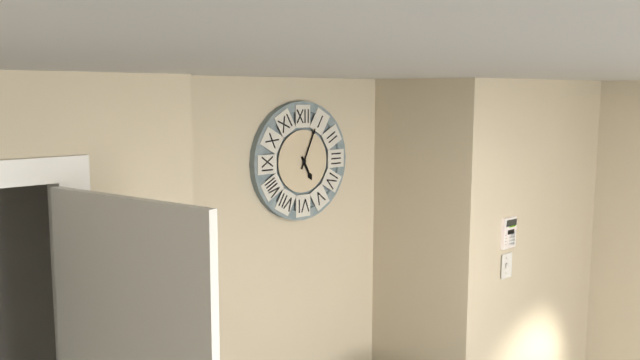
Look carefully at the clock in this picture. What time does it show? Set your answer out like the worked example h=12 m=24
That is h=5 m=4
